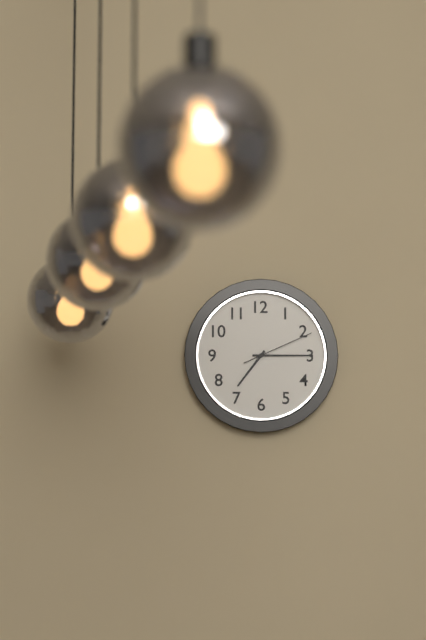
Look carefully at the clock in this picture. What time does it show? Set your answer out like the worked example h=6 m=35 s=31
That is h=7 m=15 s=11
